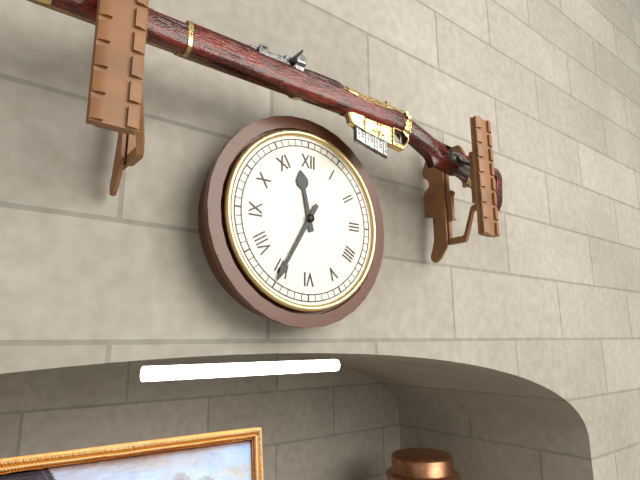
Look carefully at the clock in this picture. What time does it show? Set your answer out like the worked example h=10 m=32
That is h=11 m=35
